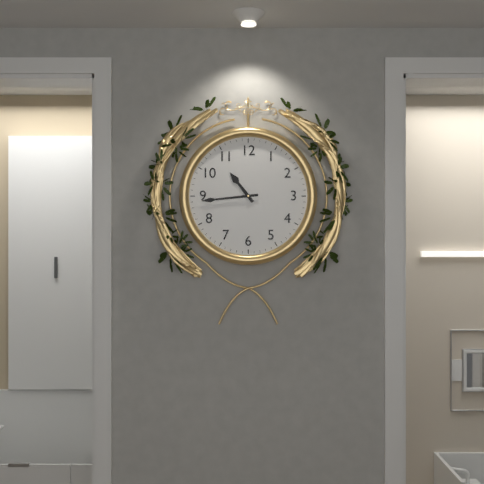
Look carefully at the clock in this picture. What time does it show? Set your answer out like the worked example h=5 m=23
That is h=10 m=44
